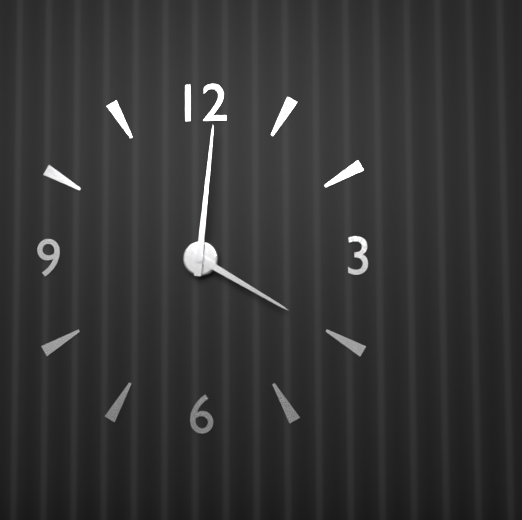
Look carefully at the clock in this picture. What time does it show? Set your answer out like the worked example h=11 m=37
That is h=4 m=1
